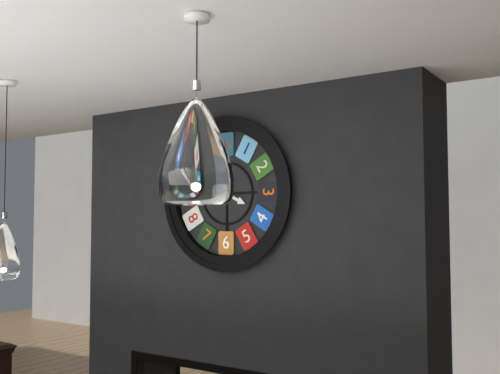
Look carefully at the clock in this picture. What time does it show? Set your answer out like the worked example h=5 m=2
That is h=3 m=50
